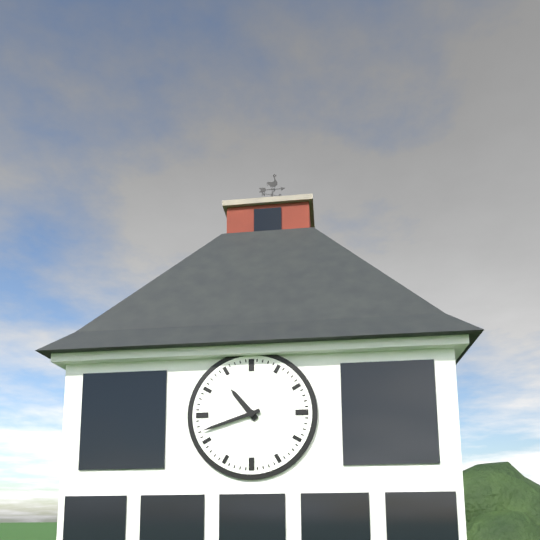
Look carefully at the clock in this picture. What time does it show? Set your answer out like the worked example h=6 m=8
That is h=10 m=42
